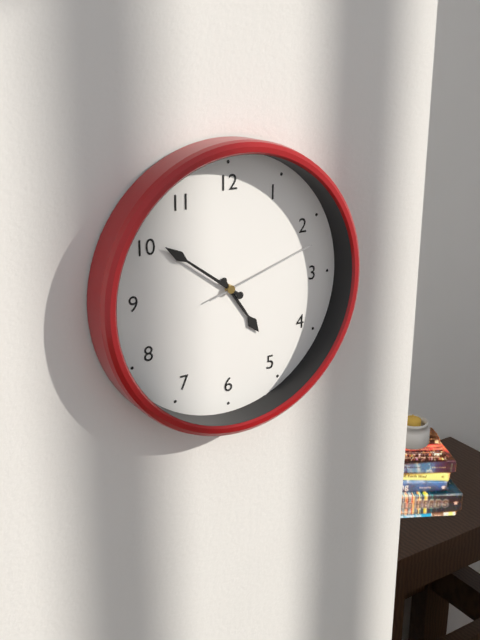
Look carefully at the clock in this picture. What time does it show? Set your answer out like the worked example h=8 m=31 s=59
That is h=4 m=51 s=12
